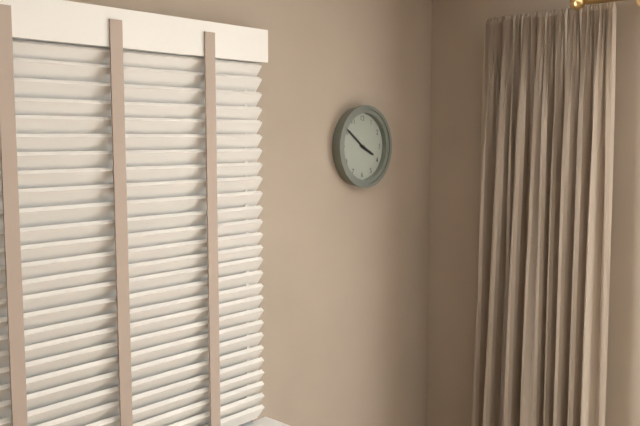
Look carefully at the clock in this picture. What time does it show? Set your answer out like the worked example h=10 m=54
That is h=3 m=51
